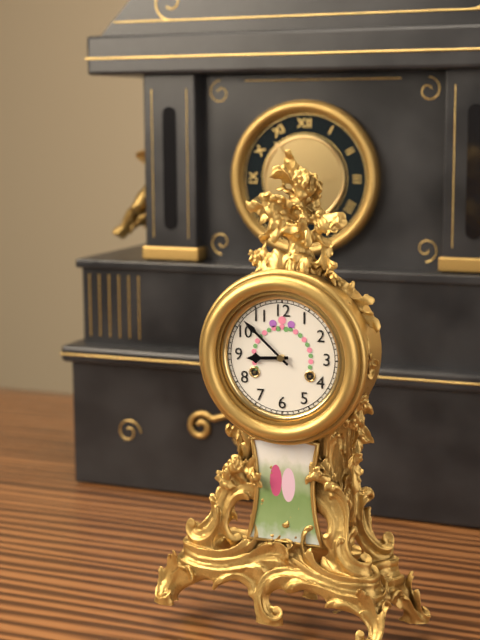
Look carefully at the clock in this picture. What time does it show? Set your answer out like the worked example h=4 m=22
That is h=8 m=52
